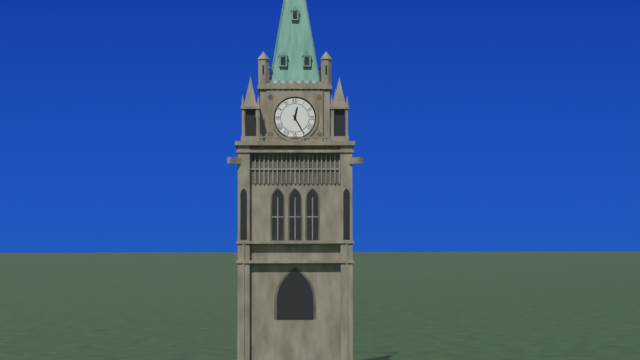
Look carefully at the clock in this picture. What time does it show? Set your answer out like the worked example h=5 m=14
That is h=12 m=25
